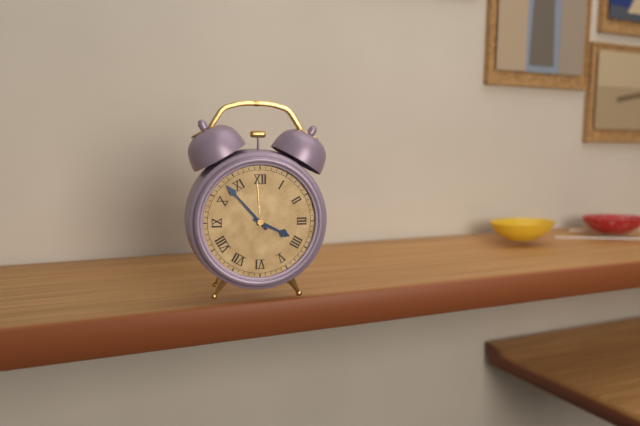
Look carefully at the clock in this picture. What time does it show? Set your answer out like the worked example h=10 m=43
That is h=3 m=53
